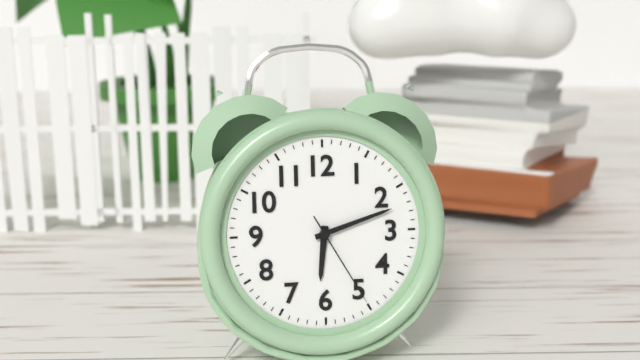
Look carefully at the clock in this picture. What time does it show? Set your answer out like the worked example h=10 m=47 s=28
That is h=6 m=12 s=25
